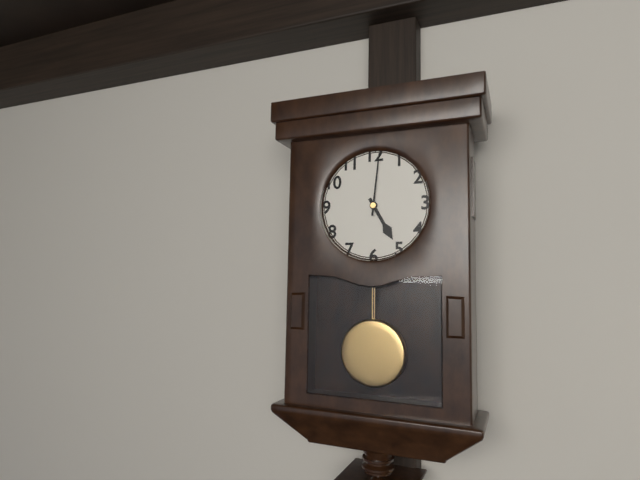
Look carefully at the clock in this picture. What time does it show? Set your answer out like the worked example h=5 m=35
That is h=5 m=1
